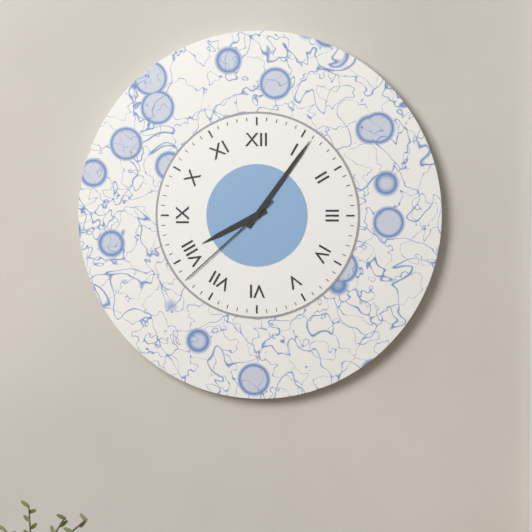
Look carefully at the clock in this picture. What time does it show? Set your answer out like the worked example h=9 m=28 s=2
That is h=8 m=6 s=38
